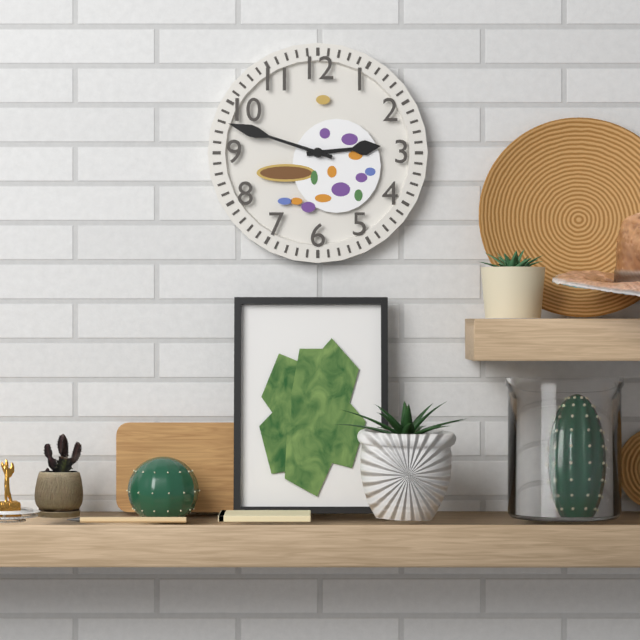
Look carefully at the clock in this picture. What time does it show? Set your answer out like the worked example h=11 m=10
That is h=2 m=48
